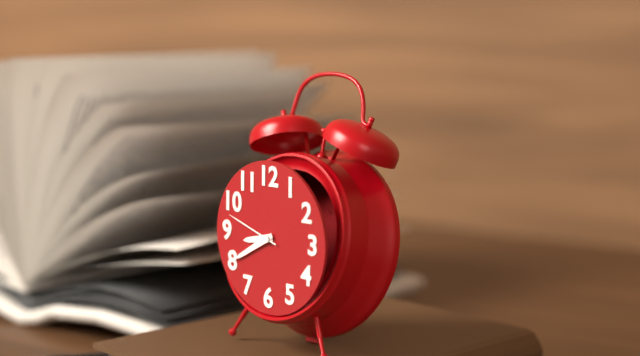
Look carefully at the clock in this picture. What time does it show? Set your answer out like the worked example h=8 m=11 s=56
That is h=8 m=40 s=48
